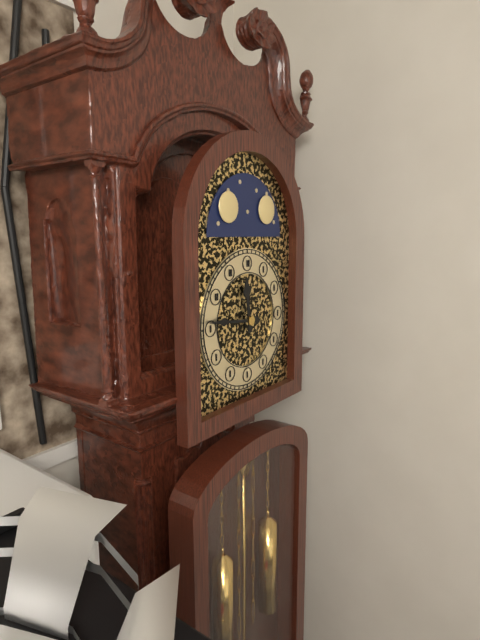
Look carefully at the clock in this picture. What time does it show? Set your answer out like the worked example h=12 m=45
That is h=11 m=46
